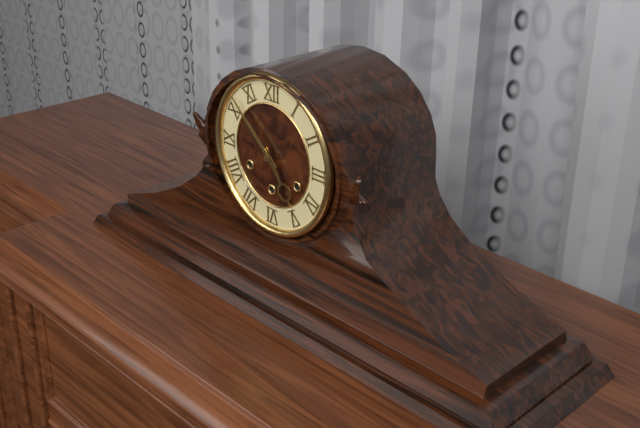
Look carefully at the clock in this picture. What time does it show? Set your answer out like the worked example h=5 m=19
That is h=4 m=52
